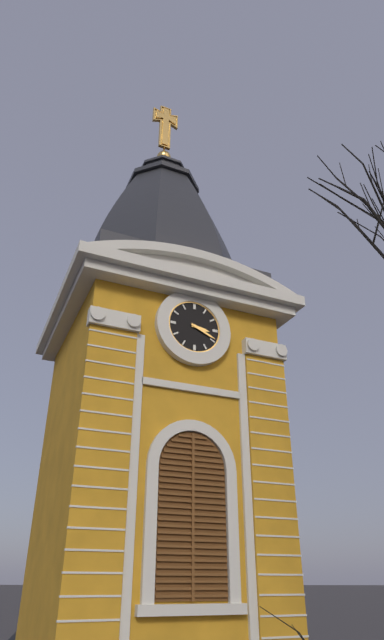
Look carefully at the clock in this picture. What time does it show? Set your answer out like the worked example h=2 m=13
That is h=3 m=19
